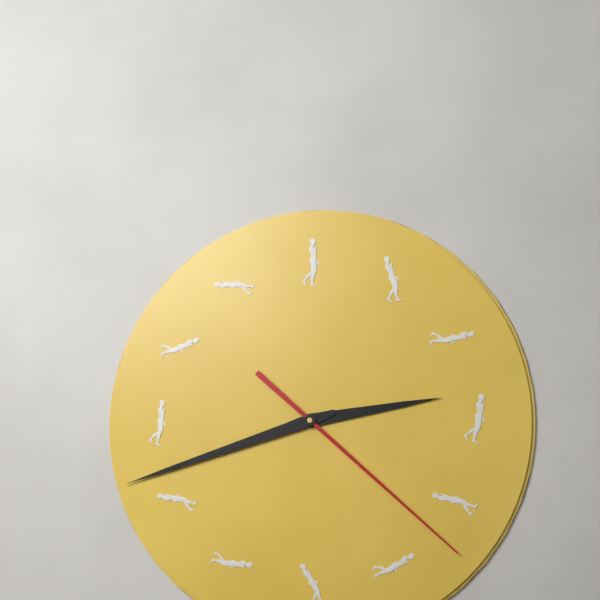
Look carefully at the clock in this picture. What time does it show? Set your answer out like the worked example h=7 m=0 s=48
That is h=2 m=42 s=22
